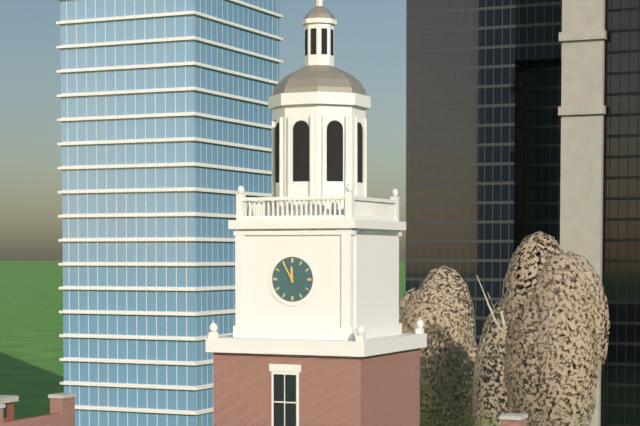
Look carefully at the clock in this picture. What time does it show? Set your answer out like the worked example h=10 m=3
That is h=11 m=55
